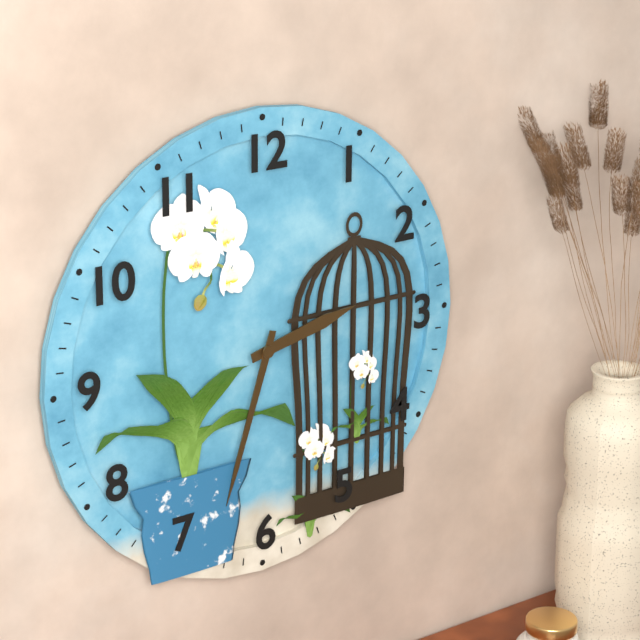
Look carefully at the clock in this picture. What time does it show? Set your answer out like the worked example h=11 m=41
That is h=2 m=33
